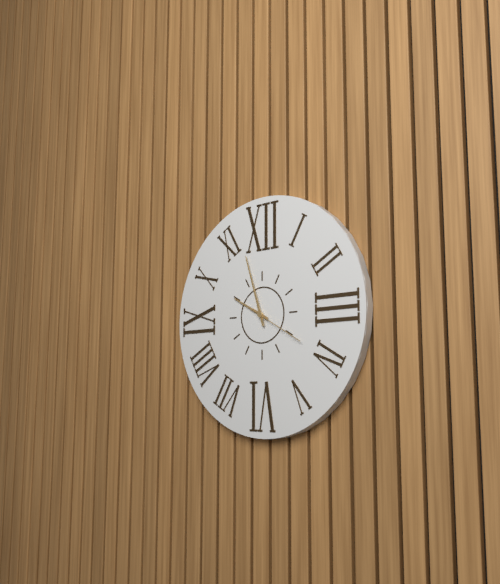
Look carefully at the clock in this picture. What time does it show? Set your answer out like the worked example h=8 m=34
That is h=9 m=57
